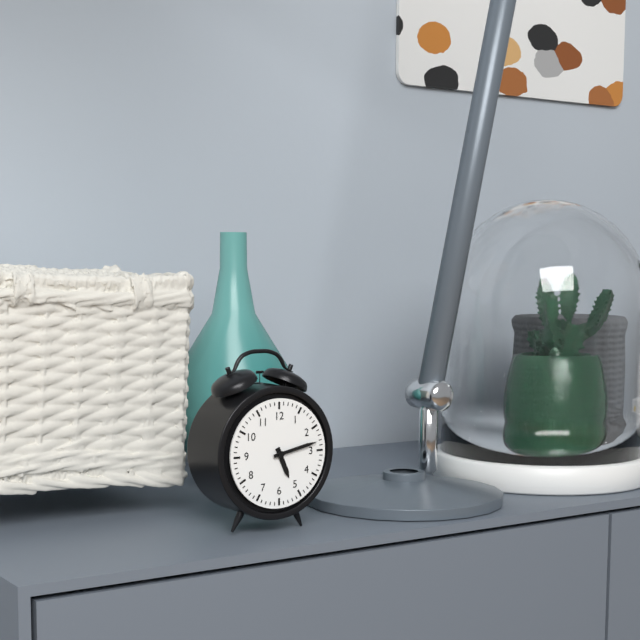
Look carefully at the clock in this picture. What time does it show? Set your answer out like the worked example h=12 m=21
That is h=5 m=13
